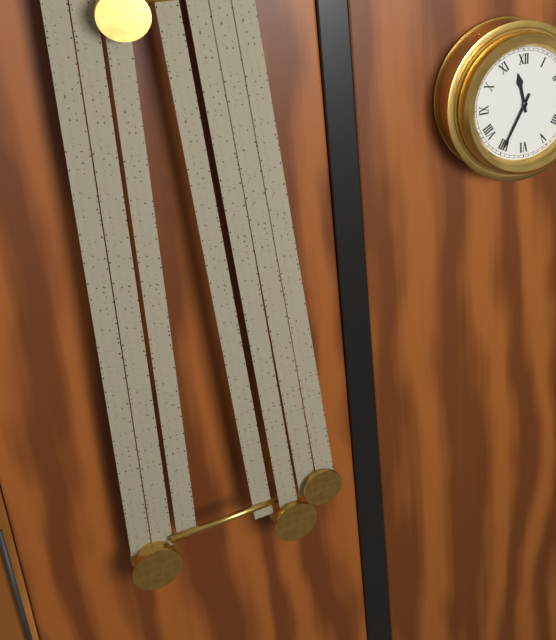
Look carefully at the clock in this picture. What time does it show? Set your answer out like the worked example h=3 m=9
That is h=11 m=35
